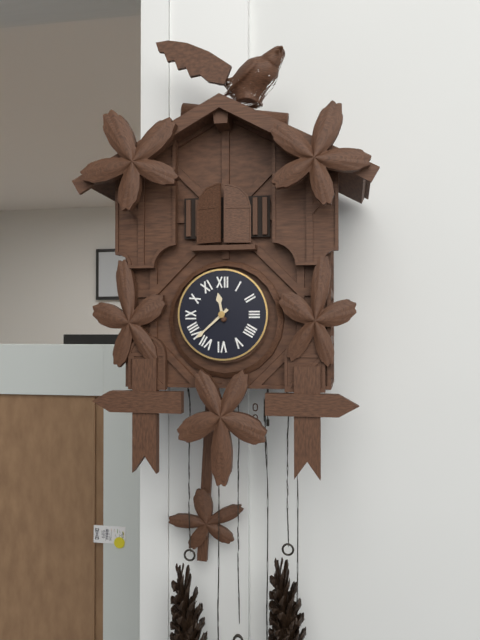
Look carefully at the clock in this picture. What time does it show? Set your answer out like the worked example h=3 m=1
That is h=11 m=38
